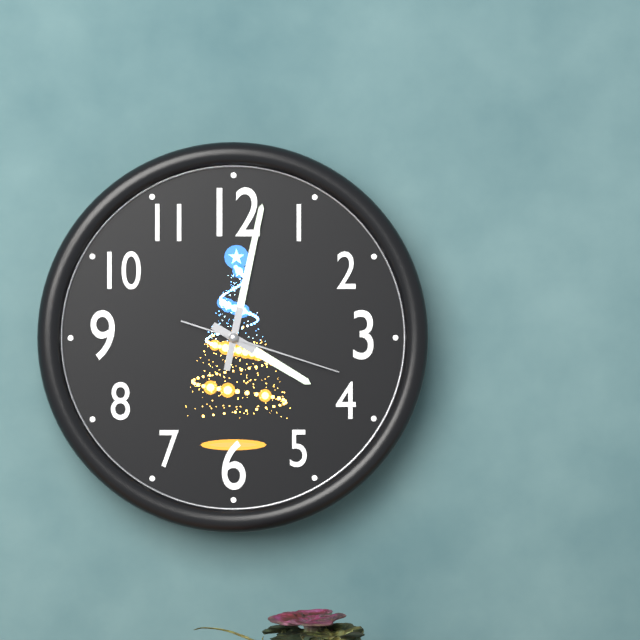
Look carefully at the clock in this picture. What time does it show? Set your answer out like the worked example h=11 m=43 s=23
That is h=4 m=2 s=18
